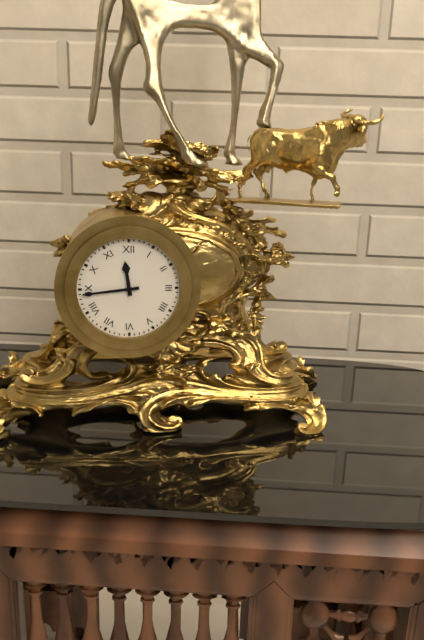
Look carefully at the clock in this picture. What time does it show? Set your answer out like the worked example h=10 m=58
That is h=11 m=44
